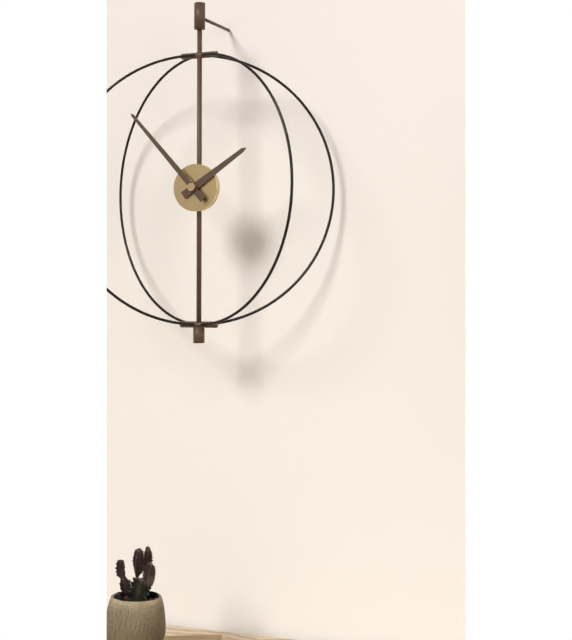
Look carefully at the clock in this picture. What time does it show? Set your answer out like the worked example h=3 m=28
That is h=1 m=53
